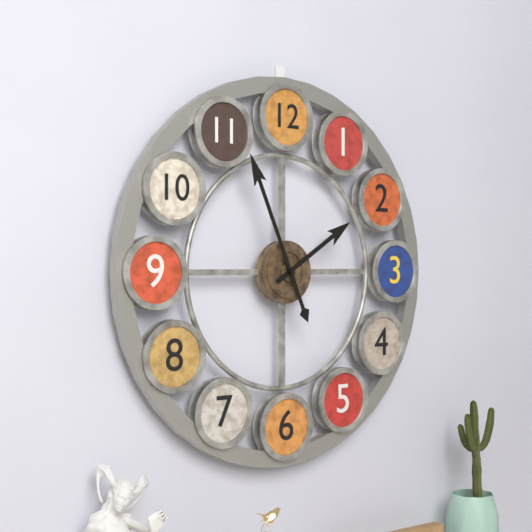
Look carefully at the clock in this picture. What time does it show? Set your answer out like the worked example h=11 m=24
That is h=1 m=56
